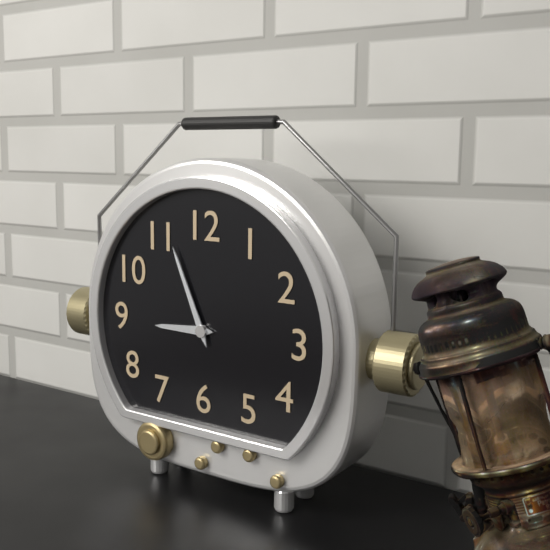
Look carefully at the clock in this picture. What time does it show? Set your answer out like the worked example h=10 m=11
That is h=8 m=56
